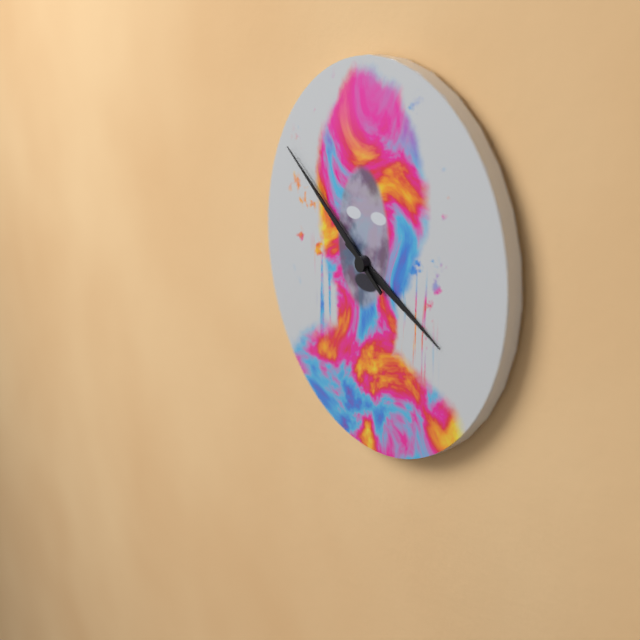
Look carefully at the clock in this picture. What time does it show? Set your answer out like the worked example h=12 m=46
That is h=3 m=51
